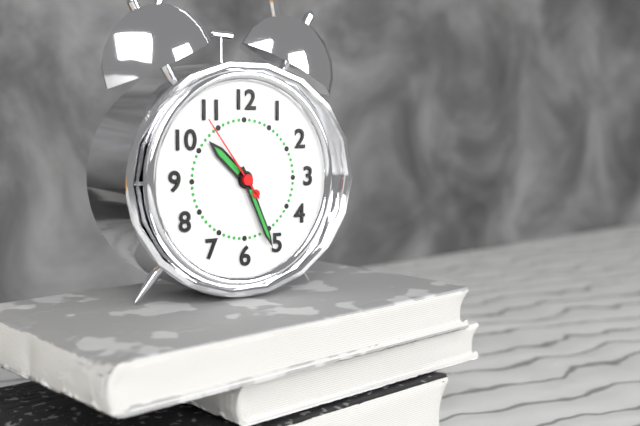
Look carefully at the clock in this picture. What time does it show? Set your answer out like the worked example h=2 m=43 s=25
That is h=10 m=26 s=54
